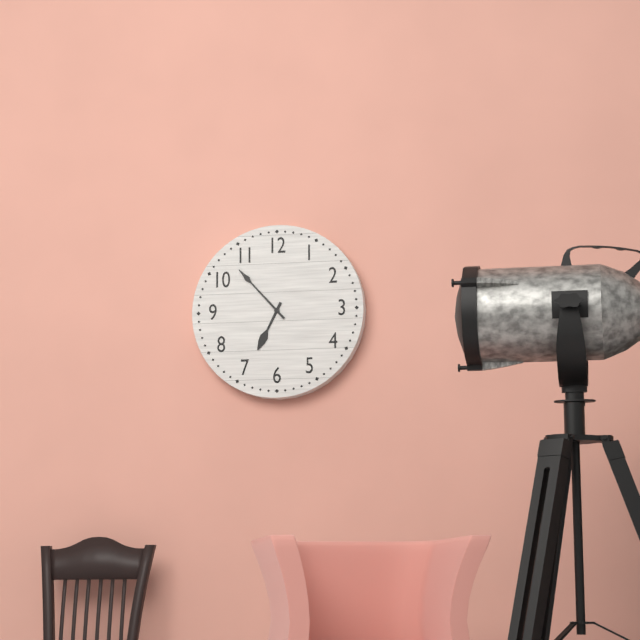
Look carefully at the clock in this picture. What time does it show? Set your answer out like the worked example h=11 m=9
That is h=6 m=53
